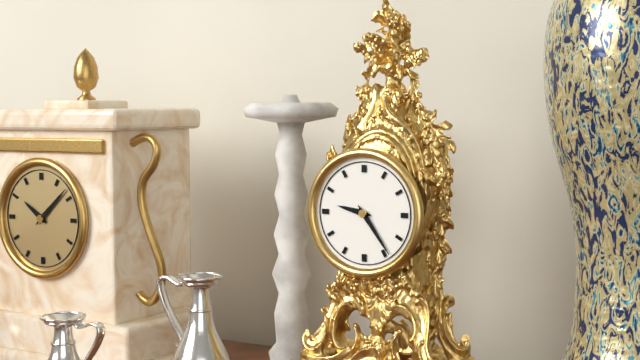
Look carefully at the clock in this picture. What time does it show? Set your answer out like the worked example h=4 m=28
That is h=9 m=24
